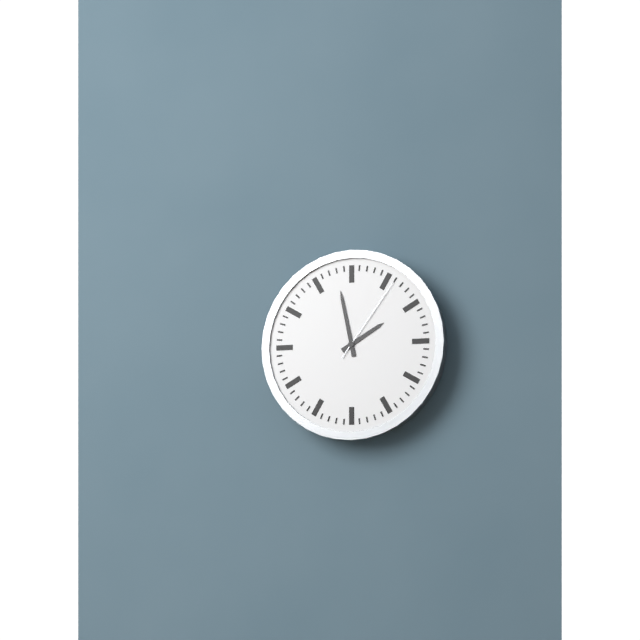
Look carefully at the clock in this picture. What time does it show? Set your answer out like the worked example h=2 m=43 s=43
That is h=1 m=58 s=6
